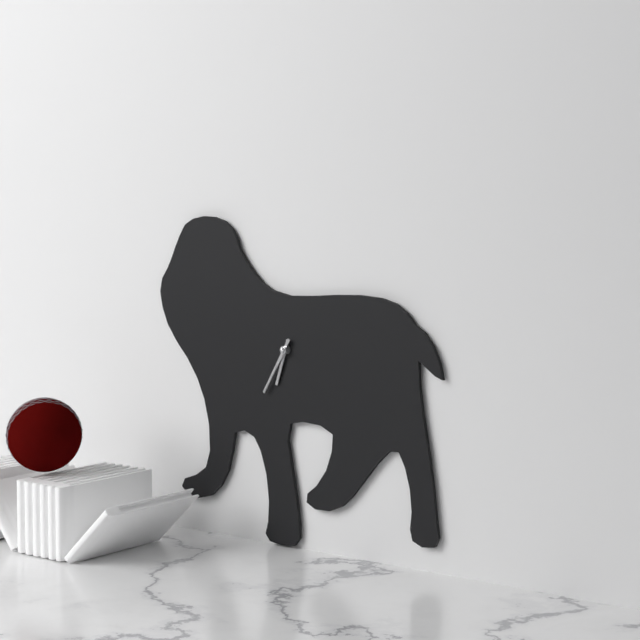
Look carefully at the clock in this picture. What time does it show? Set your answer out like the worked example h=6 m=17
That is h=6 m=35
